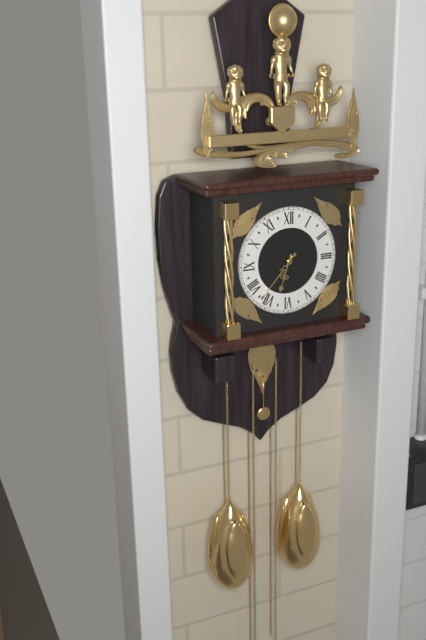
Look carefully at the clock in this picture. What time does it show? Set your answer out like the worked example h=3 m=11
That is h=6 m=37
